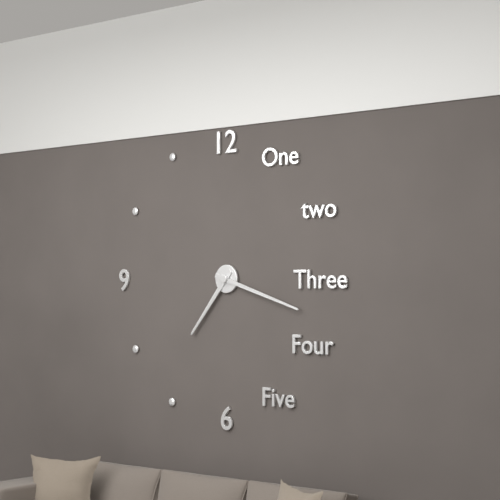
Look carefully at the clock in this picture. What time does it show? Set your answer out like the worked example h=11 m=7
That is h=7 m=18
